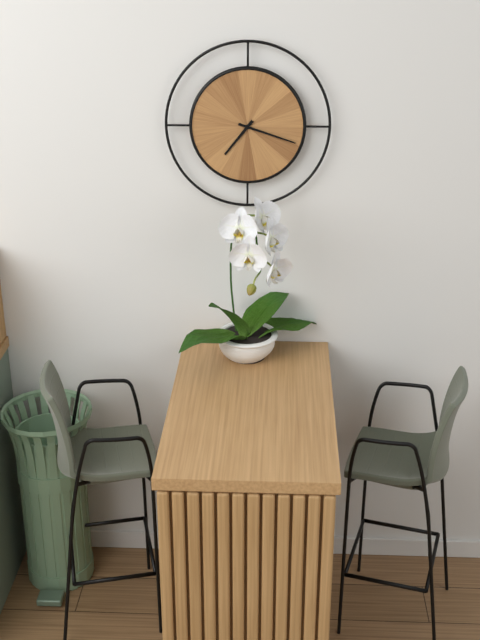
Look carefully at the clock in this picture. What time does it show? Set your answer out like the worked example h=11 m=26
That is h=7 m=18
